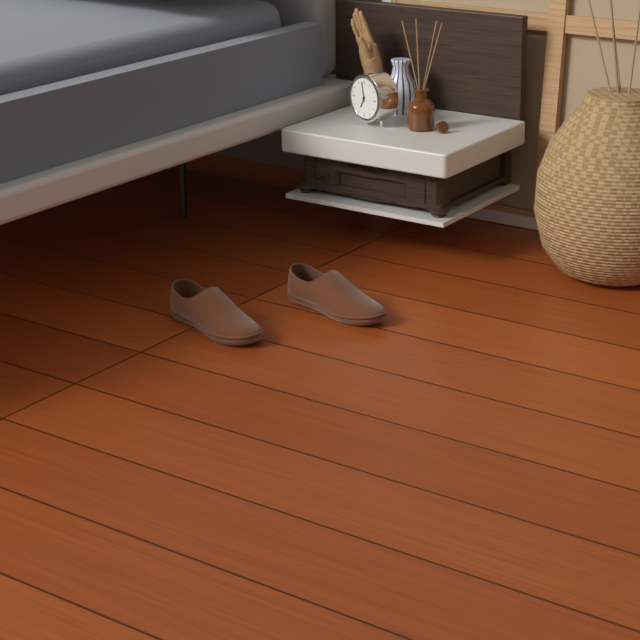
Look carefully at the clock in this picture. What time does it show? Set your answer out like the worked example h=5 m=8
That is h=6 m=58
